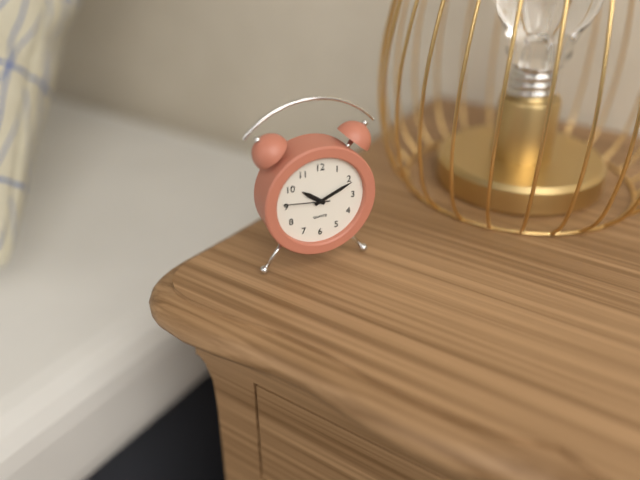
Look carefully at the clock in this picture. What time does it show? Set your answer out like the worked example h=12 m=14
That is h=10 m=11
